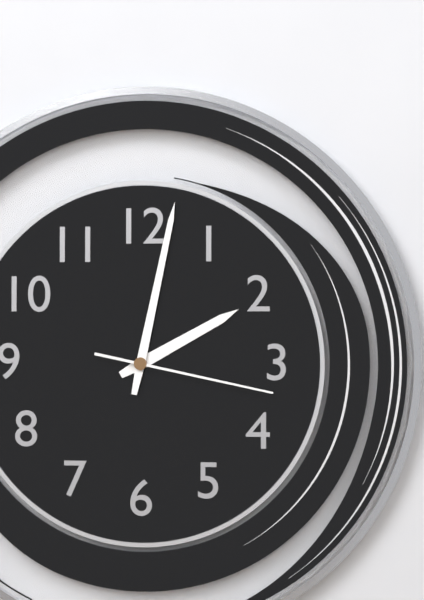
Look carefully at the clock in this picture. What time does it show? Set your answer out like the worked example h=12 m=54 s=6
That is h=2 m=2 s=17
